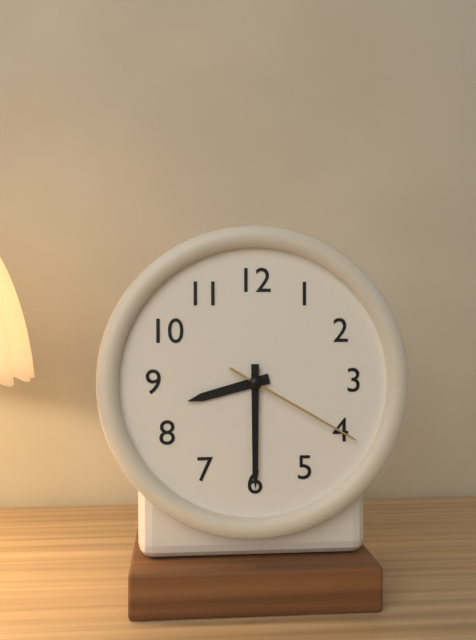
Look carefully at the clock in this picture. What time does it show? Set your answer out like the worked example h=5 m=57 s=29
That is h=8 m=30 s=20
